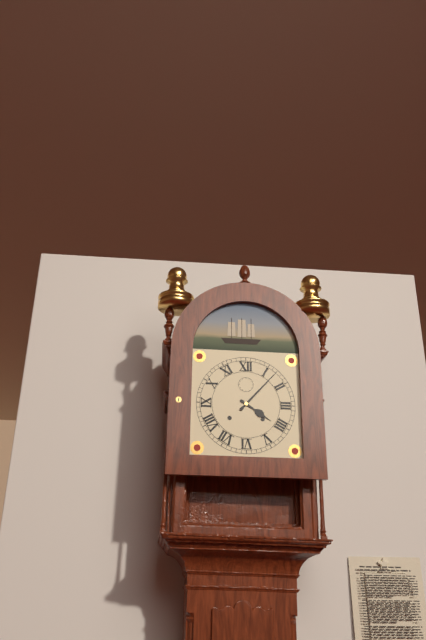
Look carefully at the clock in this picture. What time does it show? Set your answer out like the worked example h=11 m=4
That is h=4 m=7
